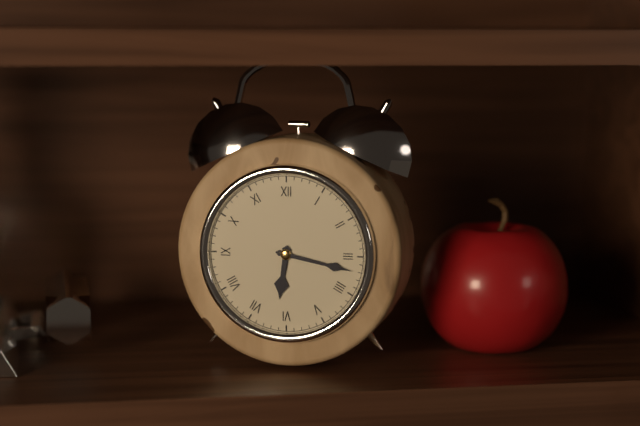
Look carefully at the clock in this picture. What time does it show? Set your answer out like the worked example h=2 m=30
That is h=6 m=17
